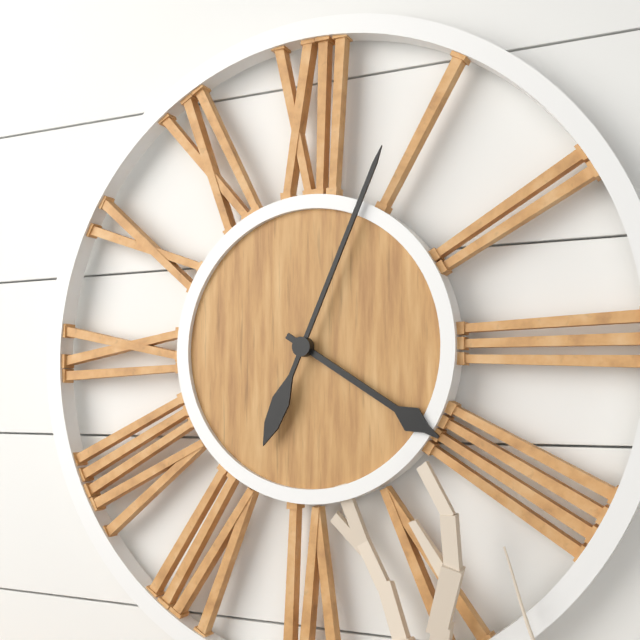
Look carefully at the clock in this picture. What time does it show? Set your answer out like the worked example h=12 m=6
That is h=4 m=4
